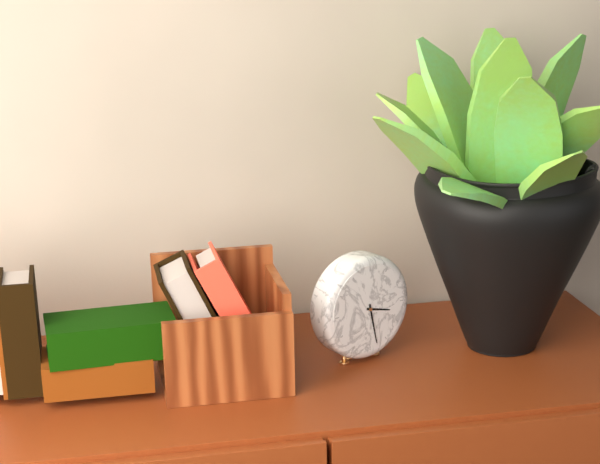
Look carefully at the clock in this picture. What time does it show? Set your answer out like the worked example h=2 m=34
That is h=3 m=28
